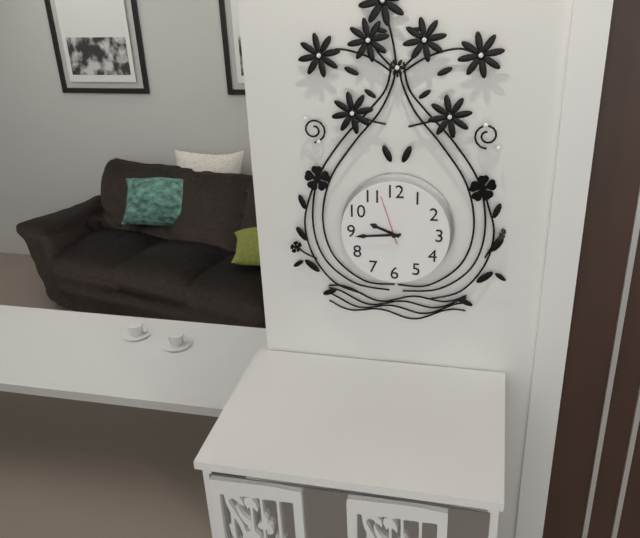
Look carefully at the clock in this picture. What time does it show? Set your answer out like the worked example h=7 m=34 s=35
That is h=9 m=44 s=57
